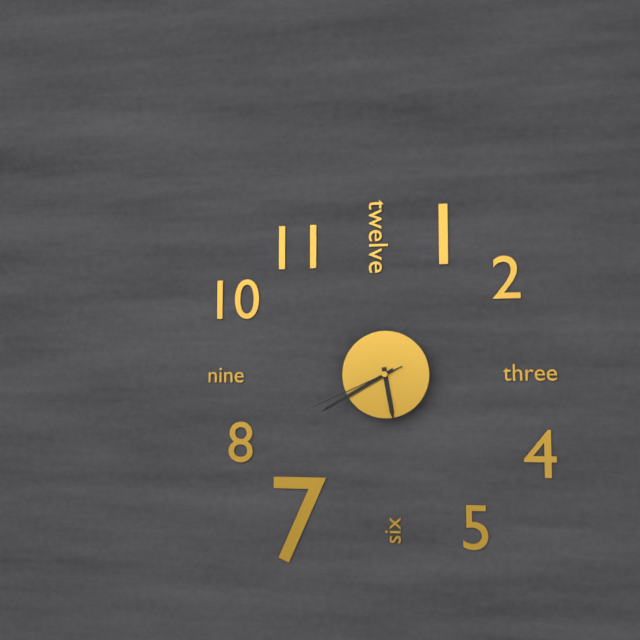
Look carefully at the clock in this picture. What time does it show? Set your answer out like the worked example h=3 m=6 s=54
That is h=5 m=40 s=41
